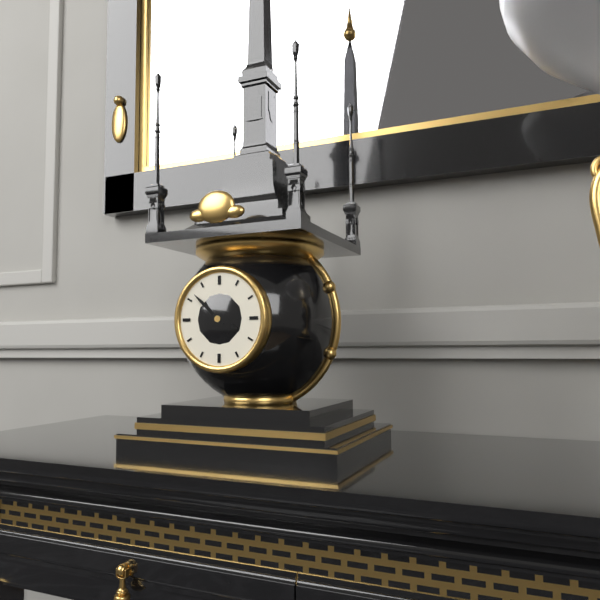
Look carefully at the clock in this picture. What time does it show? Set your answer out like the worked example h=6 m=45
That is h=3 m=52
